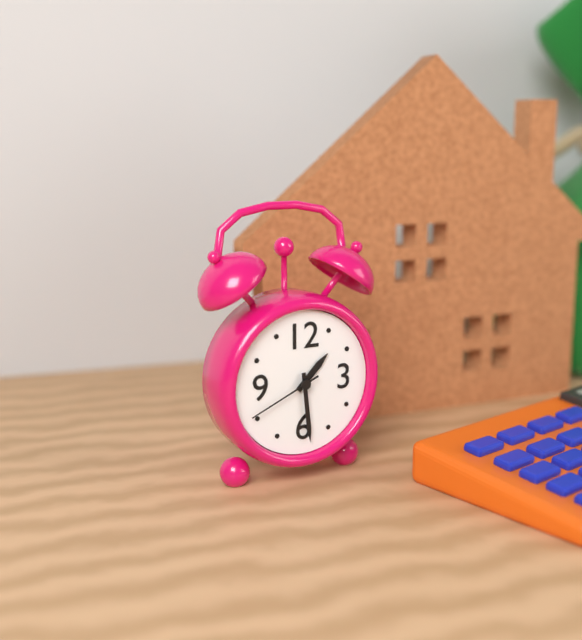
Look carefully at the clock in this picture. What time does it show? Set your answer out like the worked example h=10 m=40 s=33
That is h=1 m=29 s=41
